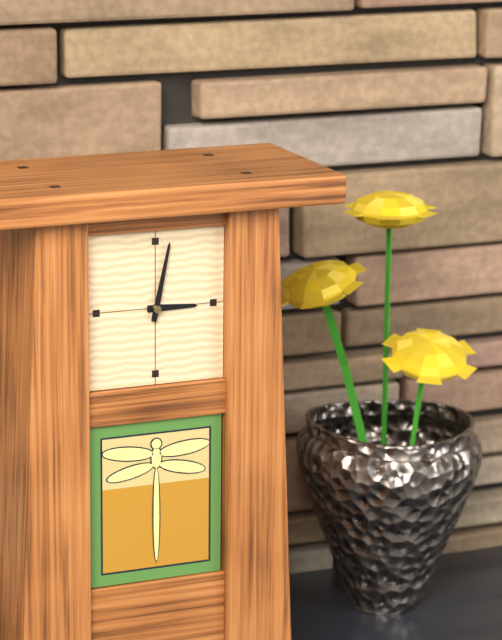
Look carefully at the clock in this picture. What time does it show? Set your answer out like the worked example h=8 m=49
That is h=3 m=2
